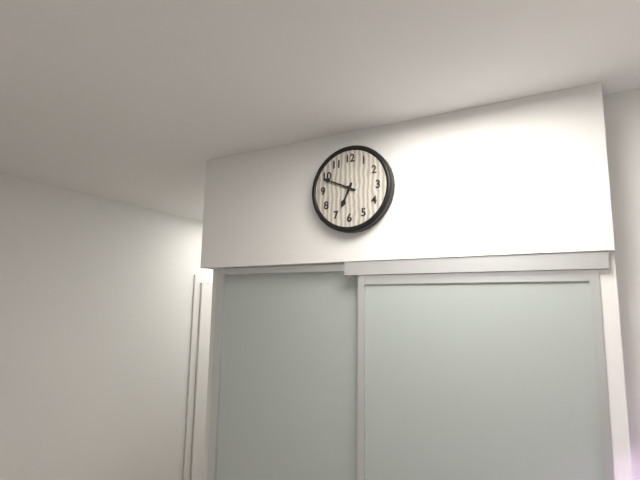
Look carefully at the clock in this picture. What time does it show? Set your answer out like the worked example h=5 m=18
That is h=6 m=49
